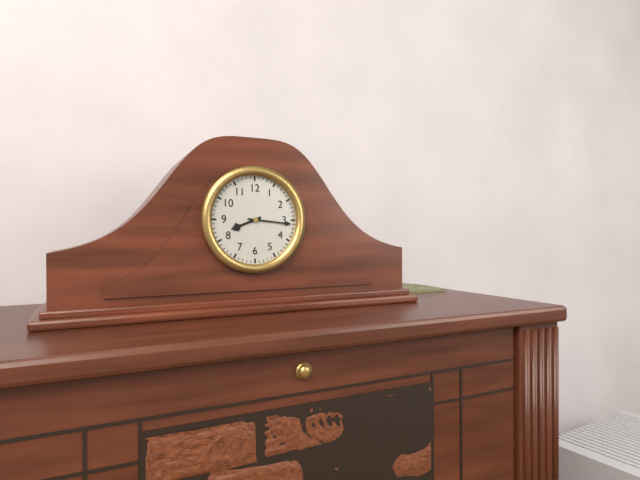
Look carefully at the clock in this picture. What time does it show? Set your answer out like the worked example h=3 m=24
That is h=8 m=16
